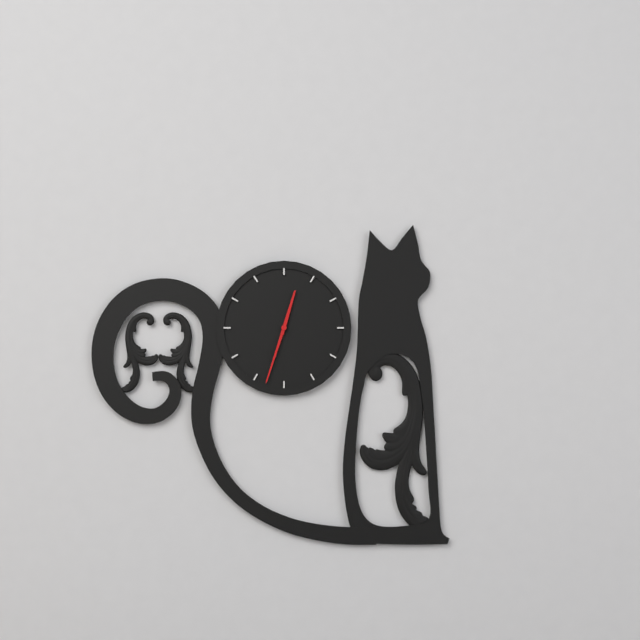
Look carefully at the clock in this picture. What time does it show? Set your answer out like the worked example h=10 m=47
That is h=12 m=33
